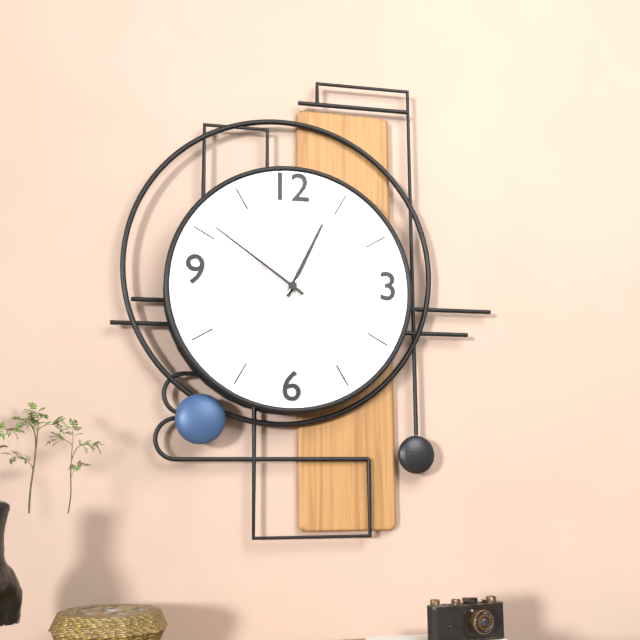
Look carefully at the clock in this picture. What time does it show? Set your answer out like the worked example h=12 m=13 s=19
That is h=12 m=51 s=36
